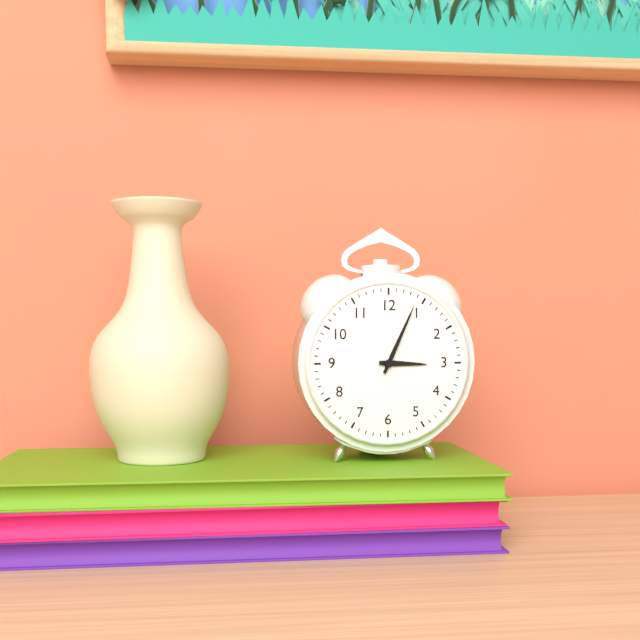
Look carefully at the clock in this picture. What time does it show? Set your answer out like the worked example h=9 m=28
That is h=3 m=4
